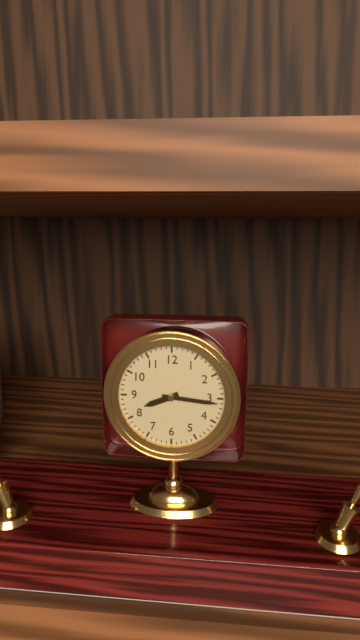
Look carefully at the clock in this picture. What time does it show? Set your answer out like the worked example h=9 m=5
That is h=8 m=16
